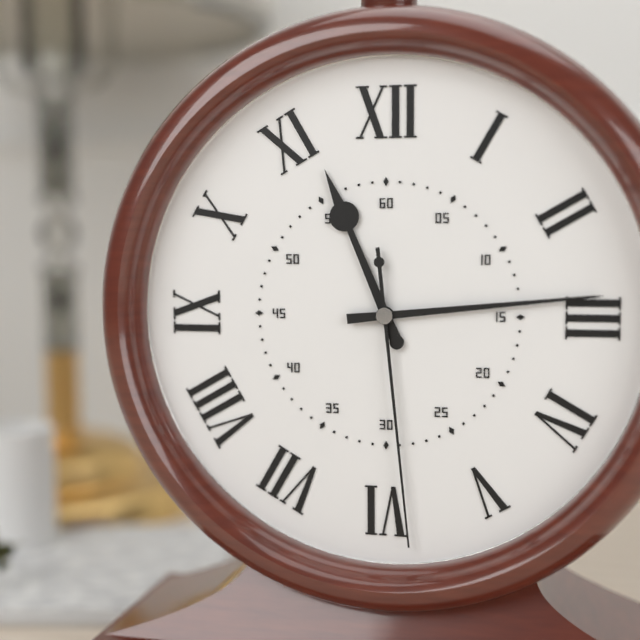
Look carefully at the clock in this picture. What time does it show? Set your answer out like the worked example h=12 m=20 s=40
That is h=11 m=14 s=29
